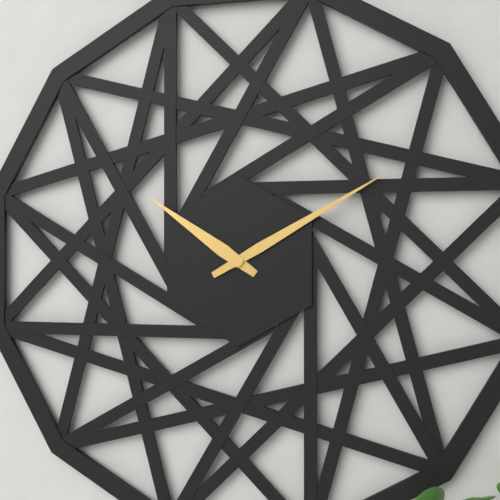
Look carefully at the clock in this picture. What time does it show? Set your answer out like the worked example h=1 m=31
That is h=10 m=10
